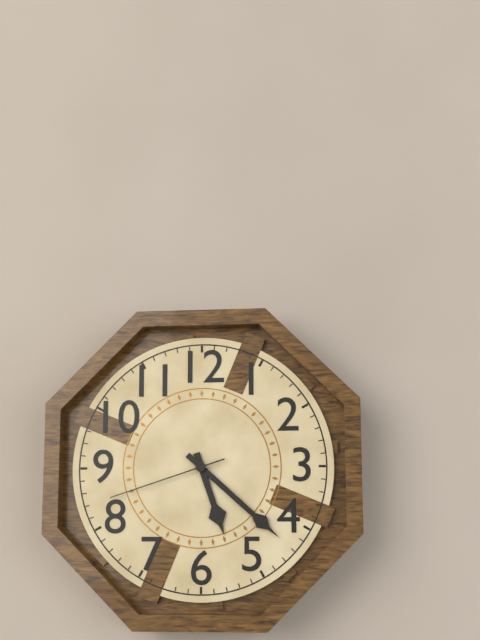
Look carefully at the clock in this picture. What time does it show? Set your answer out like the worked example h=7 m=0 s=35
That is h=5 m=22 s=42
